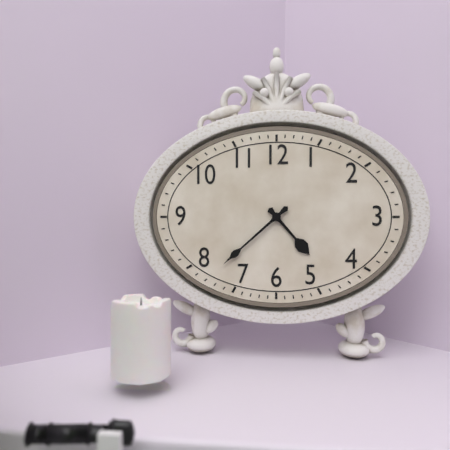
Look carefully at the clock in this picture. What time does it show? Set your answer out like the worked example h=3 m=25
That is h=4 m=38
